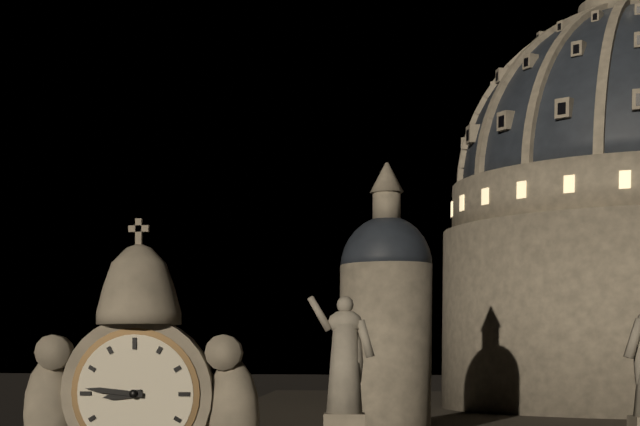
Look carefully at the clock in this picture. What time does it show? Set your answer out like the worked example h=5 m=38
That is h=8 m=46
